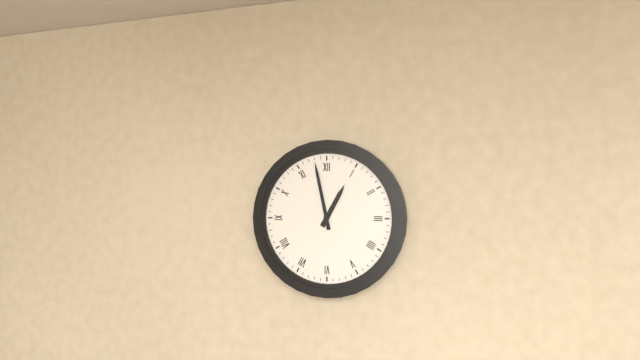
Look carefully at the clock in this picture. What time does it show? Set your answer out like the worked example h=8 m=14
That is h=12 m=58
